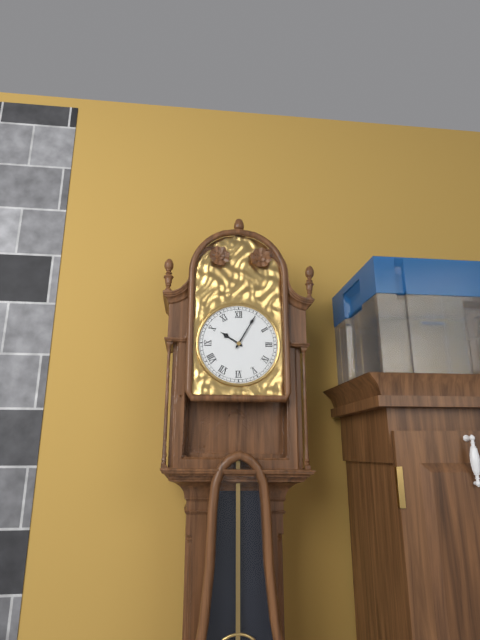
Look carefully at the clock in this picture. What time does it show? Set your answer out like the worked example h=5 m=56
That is h=10 m=5
